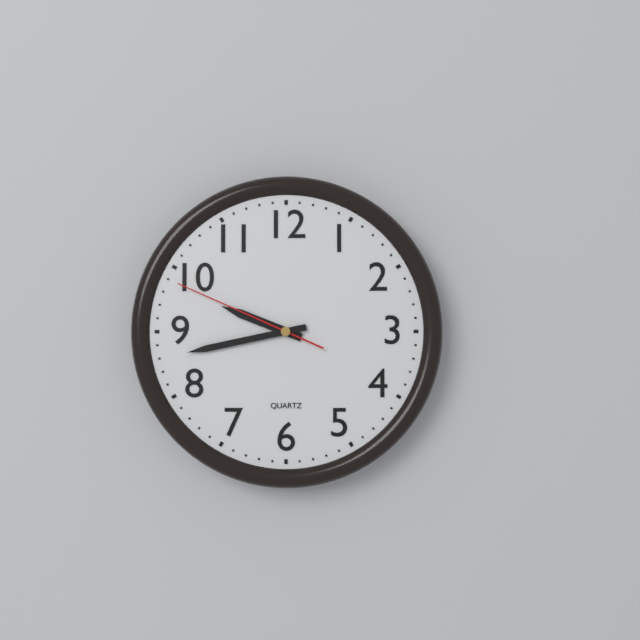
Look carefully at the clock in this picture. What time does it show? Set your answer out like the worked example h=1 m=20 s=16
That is h=9 m=43 s=49
